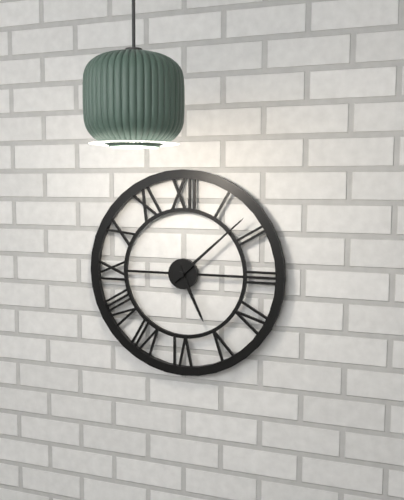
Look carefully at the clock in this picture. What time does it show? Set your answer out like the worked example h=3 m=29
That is h=5 m=8
